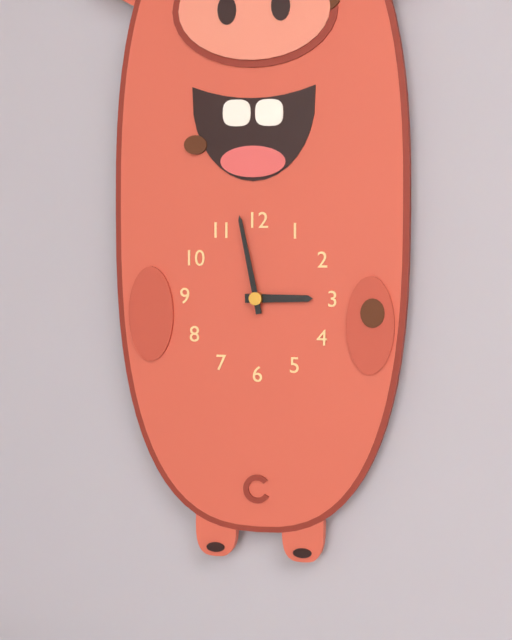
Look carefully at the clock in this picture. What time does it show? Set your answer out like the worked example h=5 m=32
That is h=2 m=58
